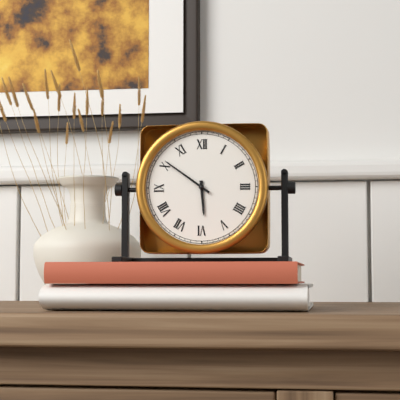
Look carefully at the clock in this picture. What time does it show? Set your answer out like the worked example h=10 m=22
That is h=5 m=51
